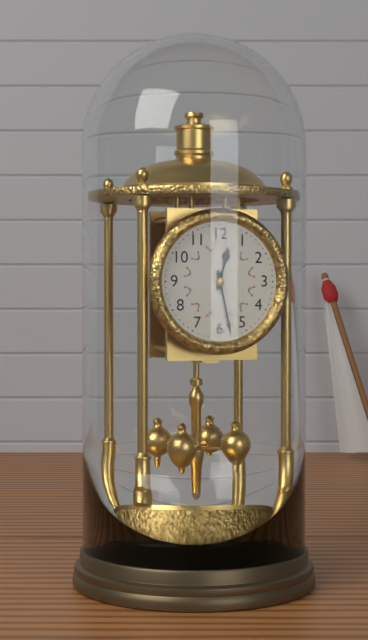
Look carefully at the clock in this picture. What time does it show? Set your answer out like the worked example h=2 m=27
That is h=12 m=28
